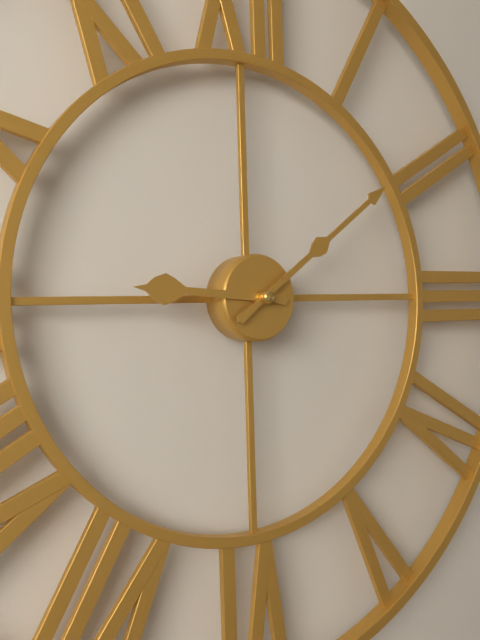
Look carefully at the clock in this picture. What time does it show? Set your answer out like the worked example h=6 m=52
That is h=9 m=9
